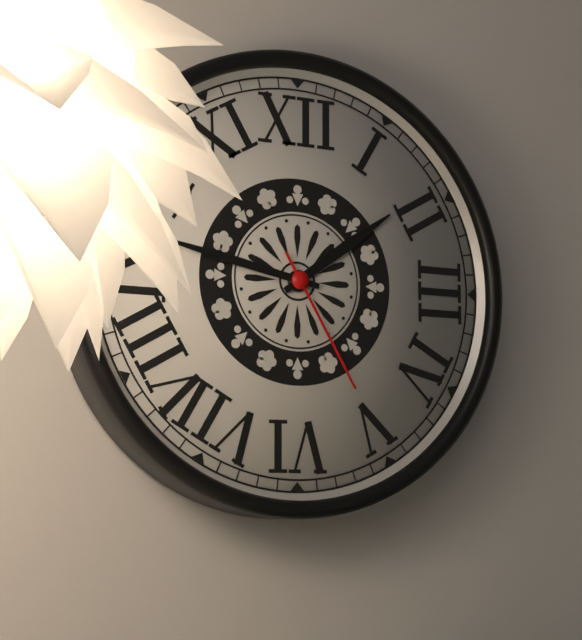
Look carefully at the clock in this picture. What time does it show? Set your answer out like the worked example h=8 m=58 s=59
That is h=1 m=47 s=25
